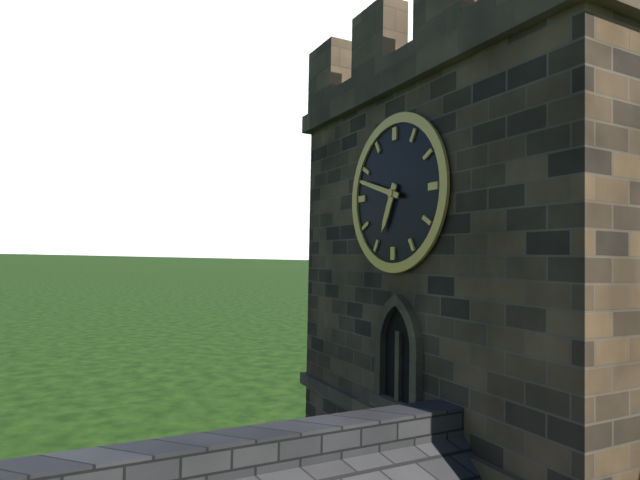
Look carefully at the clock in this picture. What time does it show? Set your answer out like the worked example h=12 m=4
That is h=6 m=48
